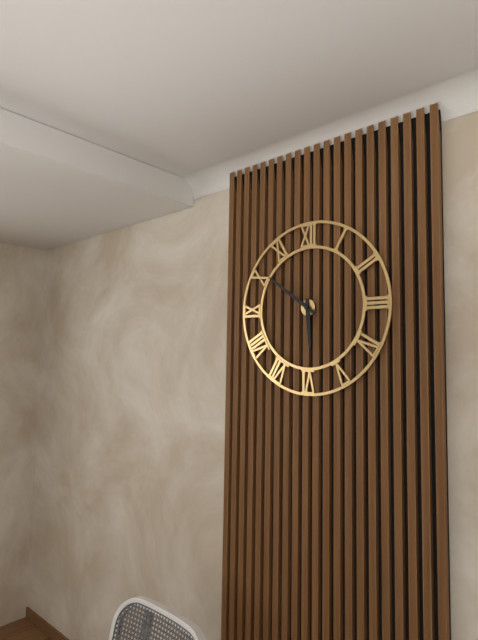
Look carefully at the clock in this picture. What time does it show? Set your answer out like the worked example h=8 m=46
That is h=5 m=51
